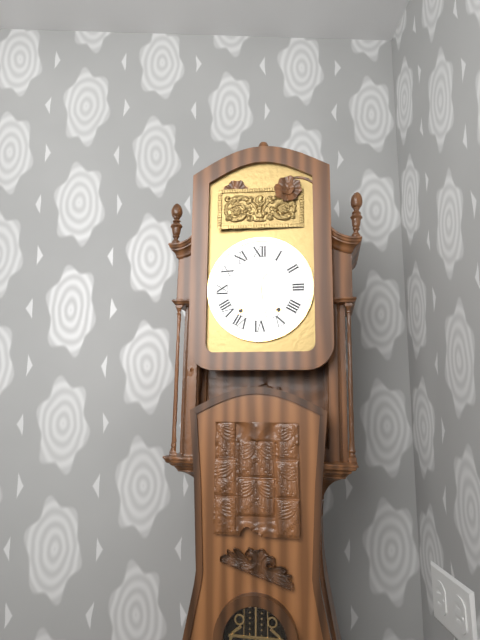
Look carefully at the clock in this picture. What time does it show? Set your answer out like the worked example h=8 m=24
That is h=12 m=28
